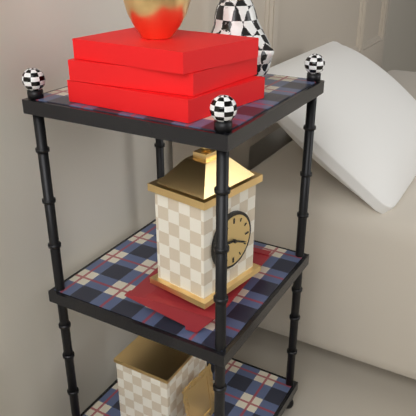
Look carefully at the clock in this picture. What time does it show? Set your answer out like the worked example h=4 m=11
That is h=9 m=19
